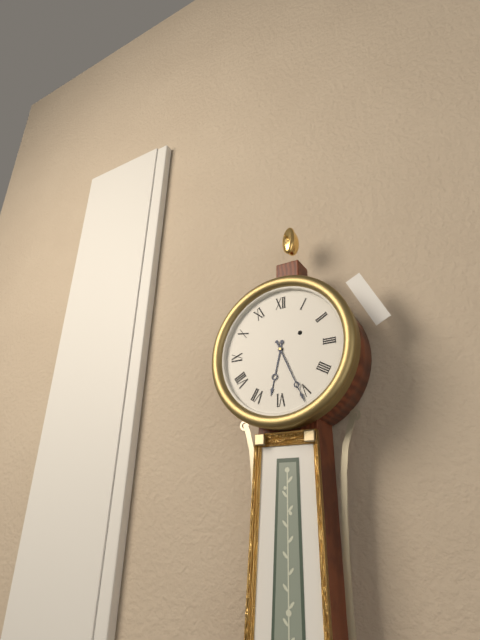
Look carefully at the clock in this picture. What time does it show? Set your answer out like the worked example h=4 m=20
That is h=6 m=26
